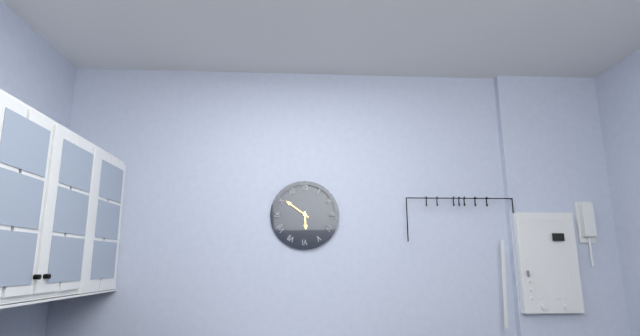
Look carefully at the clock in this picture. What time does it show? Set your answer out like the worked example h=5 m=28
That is h=5 m=51
